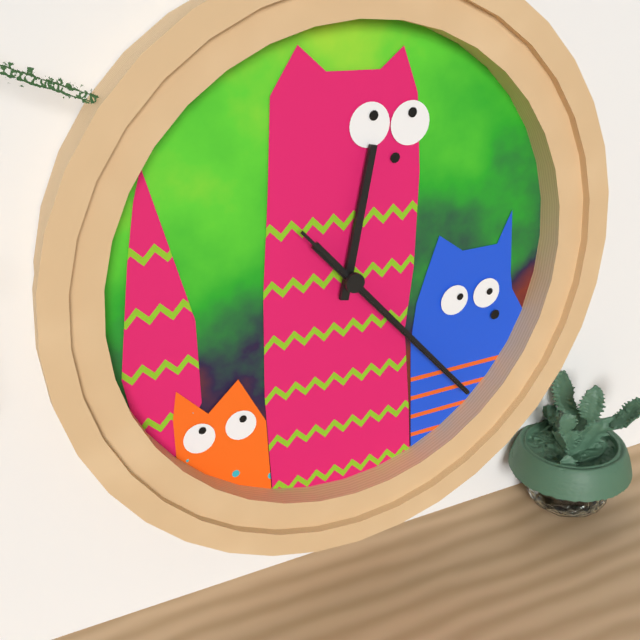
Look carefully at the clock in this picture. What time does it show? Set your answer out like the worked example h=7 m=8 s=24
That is h=12 m=23 s=23
